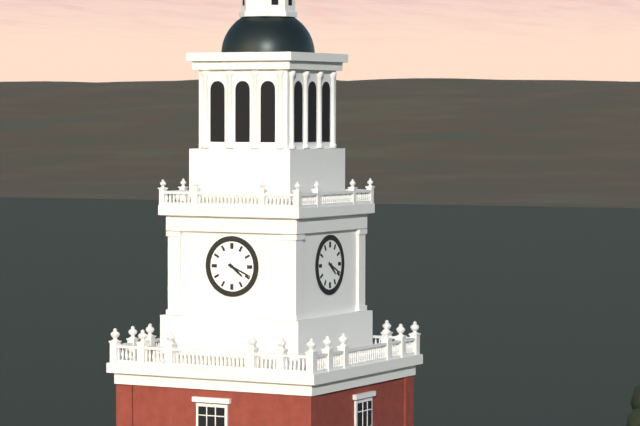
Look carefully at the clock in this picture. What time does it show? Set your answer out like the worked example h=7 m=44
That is h=4 m=19
